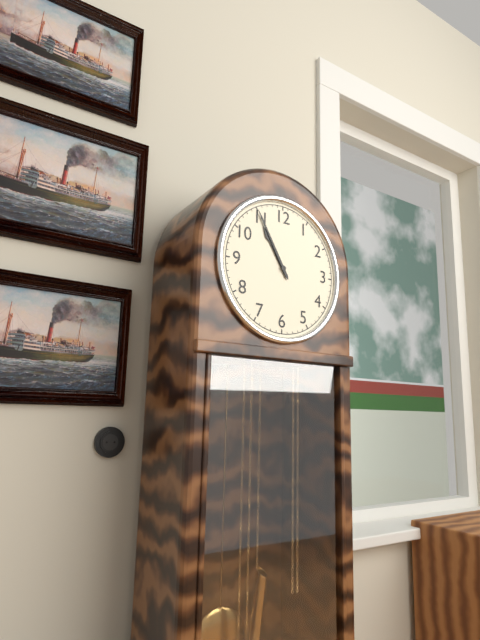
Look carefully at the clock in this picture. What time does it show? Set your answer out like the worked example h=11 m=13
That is h=10 m=55
